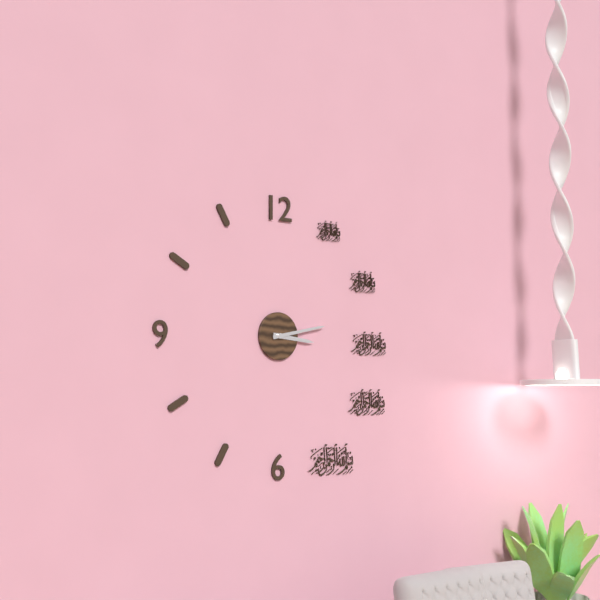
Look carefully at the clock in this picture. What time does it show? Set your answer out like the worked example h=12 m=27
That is h=3 m=13
